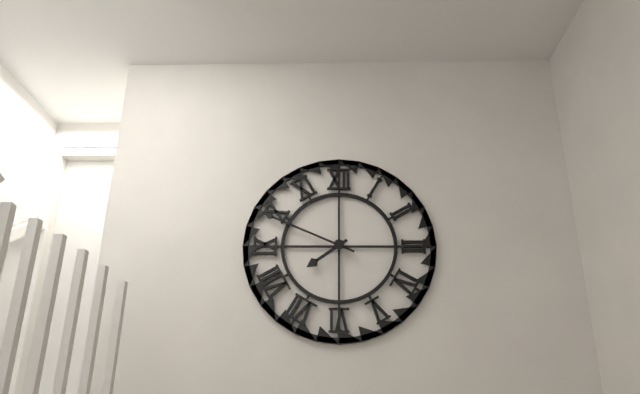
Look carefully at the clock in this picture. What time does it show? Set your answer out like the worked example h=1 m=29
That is h=7 m=49
